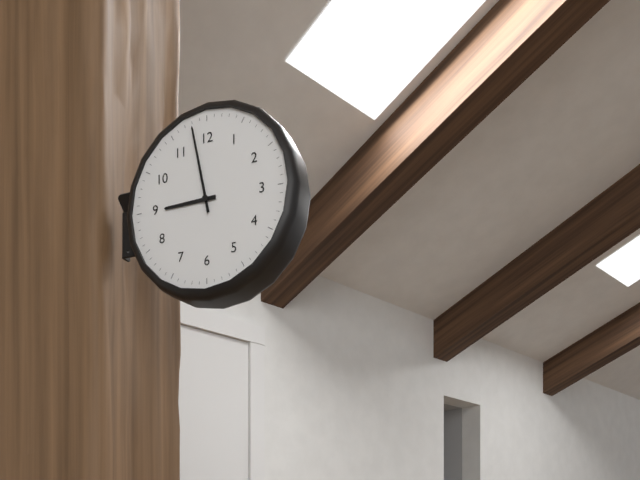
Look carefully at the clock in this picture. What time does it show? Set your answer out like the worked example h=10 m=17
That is h=8 m=58
